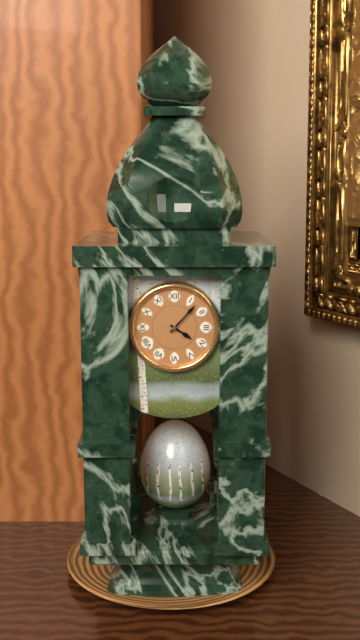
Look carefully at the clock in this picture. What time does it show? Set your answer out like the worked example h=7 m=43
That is h=4 m=7
